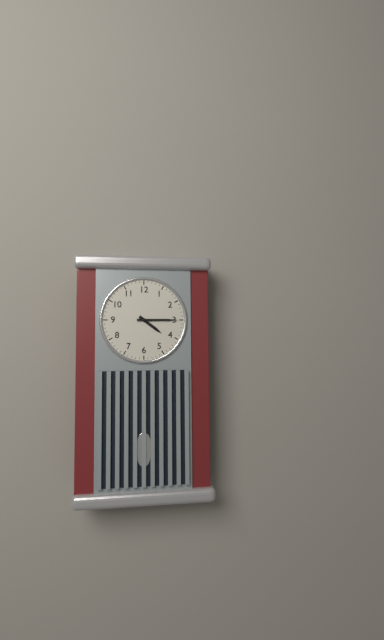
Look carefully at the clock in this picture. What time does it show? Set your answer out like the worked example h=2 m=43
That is h=4 m=15
